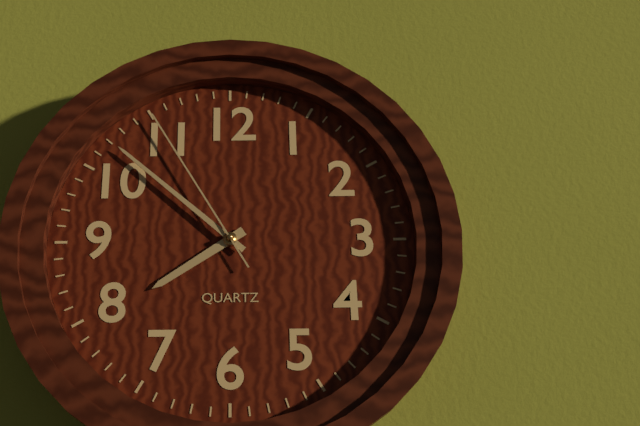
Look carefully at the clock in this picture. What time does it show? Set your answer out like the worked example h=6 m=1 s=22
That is h=7 m=52 s=55
